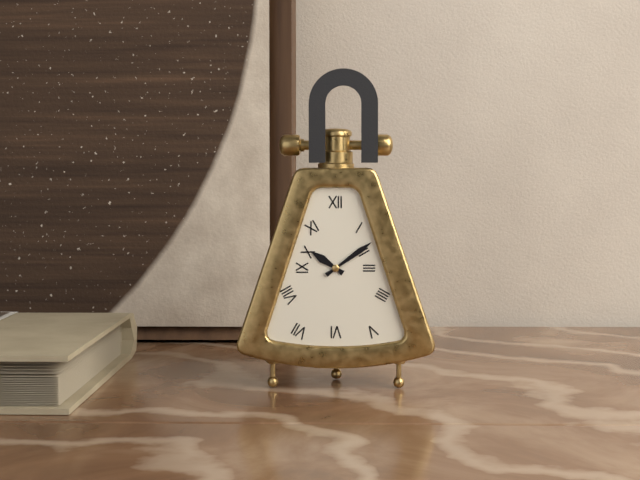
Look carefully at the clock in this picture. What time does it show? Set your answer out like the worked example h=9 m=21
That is h=10 m=9
